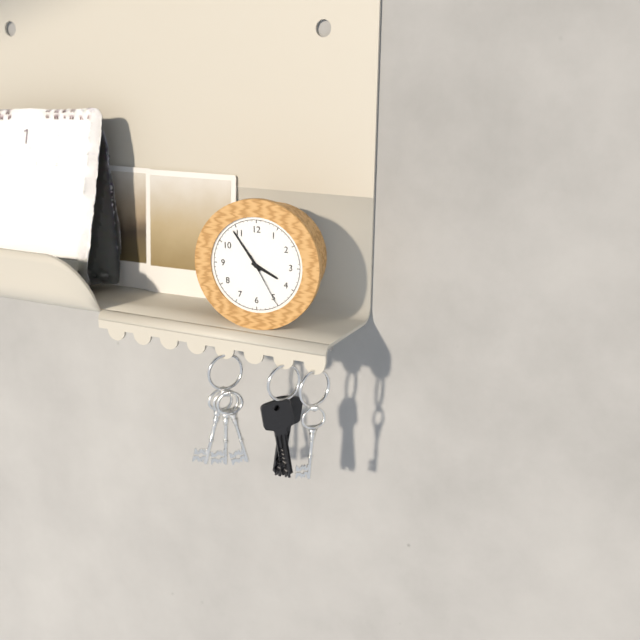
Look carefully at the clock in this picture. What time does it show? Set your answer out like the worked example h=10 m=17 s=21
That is h=3 m=54 s=25
